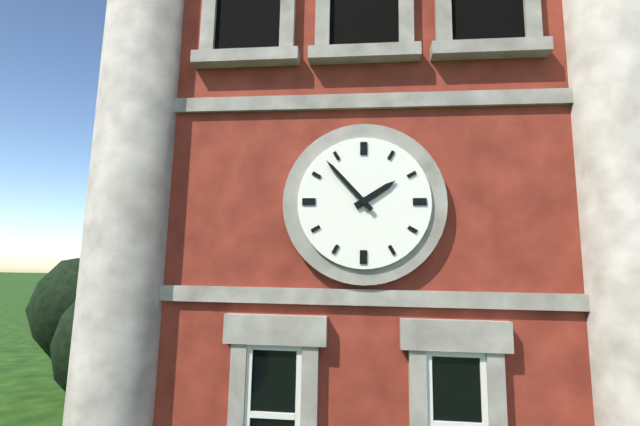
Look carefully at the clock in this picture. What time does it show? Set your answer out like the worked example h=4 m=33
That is h=1 m=53
